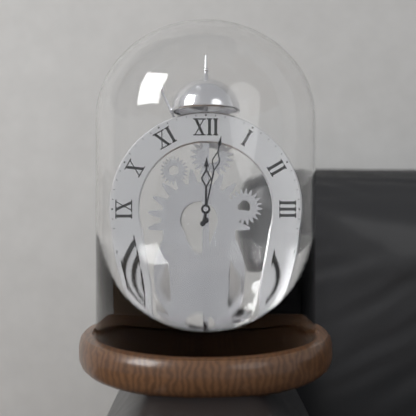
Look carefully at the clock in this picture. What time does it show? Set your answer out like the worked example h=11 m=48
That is h=12 m=2
